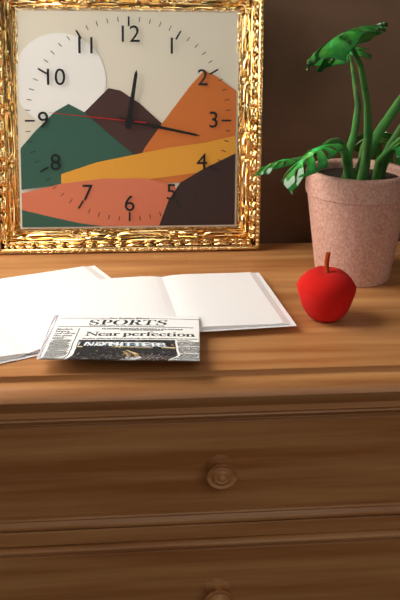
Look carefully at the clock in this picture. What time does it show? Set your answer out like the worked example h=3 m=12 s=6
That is h=12 m=17 s=46
